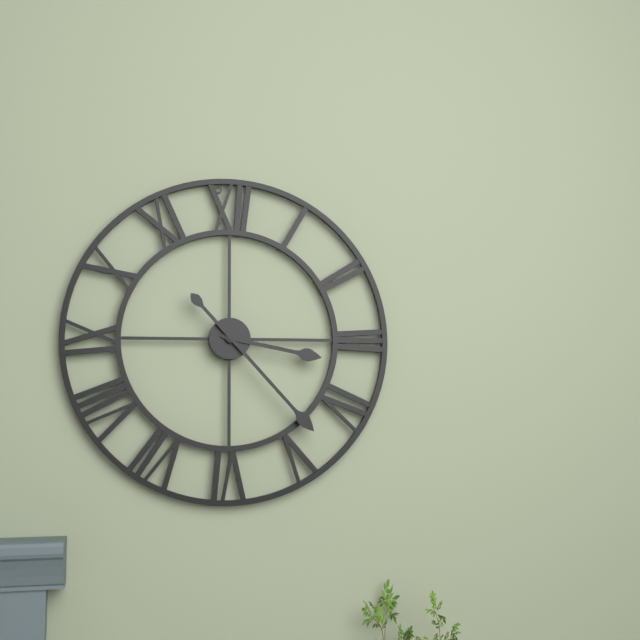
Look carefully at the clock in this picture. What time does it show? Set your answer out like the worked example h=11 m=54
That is h=3 m=23
